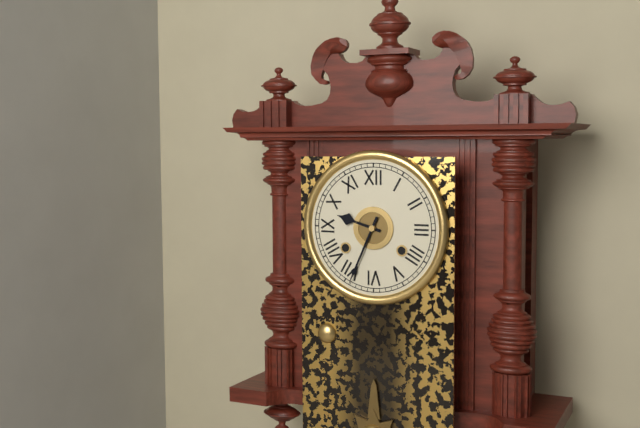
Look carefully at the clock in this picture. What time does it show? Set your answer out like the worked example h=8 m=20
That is h=9 m=34
